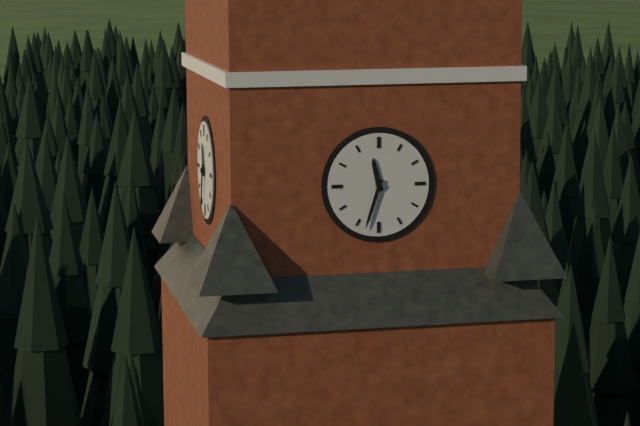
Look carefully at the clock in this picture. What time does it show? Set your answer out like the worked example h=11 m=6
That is h=11 m=33
